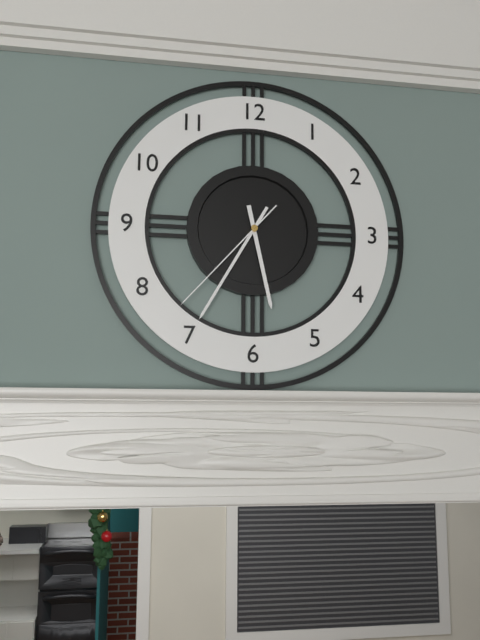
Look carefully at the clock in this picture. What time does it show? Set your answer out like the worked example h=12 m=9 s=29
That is h=5 m=35 s=37
